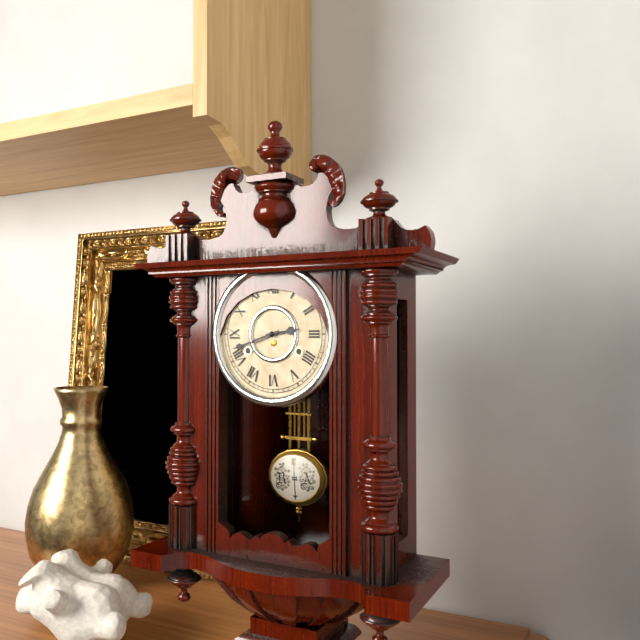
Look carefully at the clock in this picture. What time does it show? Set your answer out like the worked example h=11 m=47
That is h=2 m=42
